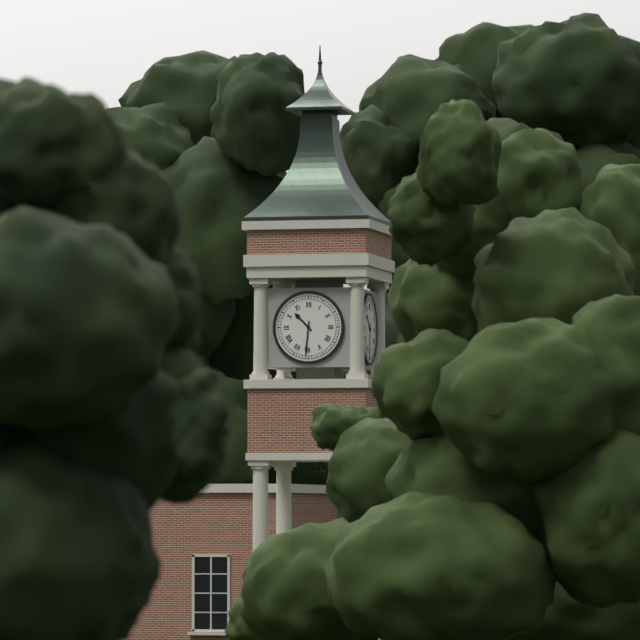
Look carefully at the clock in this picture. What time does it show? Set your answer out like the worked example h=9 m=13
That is h=10 m=31
